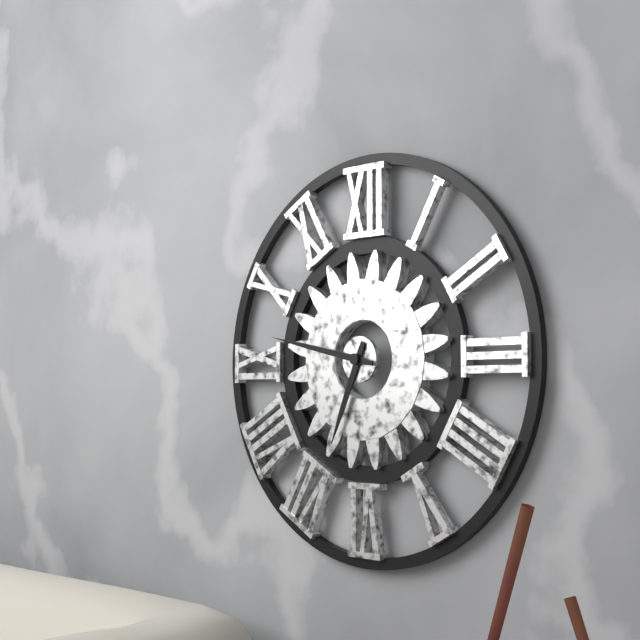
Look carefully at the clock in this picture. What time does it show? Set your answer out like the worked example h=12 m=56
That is h=6 m=47
